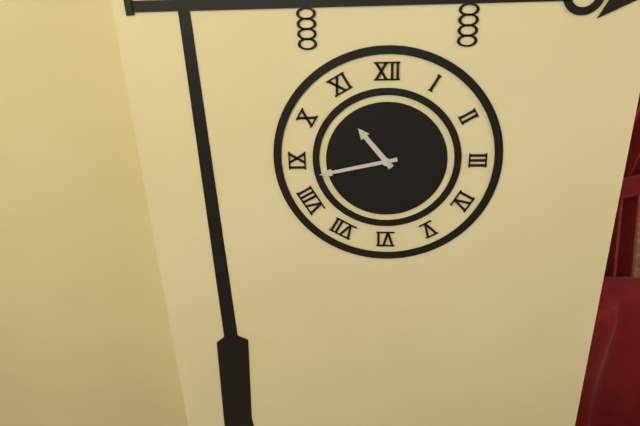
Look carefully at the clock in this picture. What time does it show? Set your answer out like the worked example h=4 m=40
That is h=10 m=43
